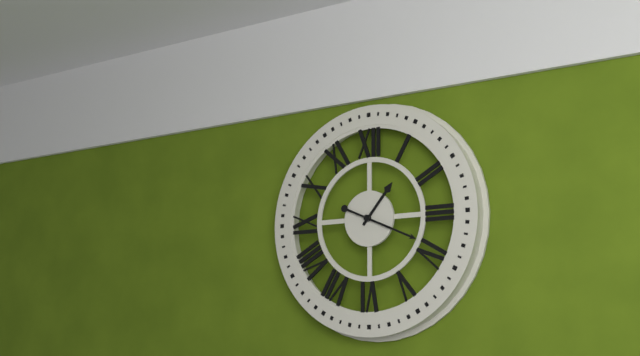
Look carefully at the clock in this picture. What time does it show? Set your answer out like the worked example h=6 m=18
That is h=1 m=19
